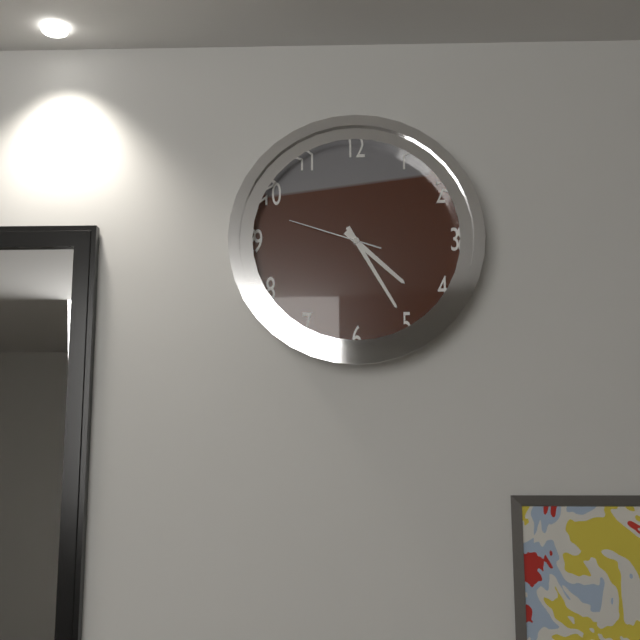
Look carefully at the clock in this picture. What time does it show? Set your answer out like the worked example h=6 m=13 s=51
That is h=4 m=25 s=48
